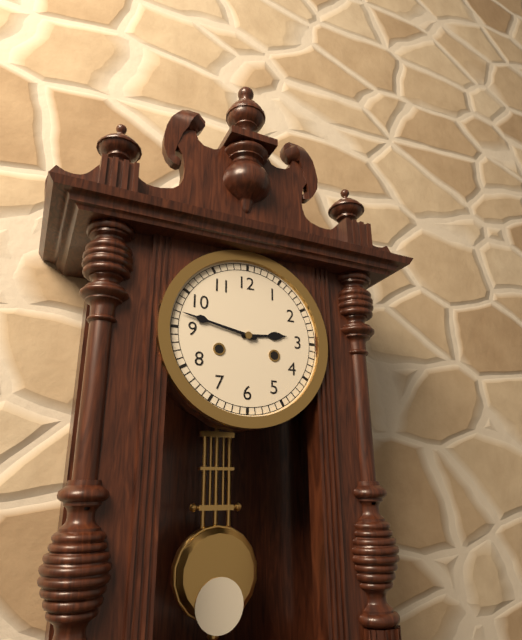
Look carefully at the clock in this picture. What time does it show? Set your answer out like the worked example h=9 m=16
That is h=2 m=47
